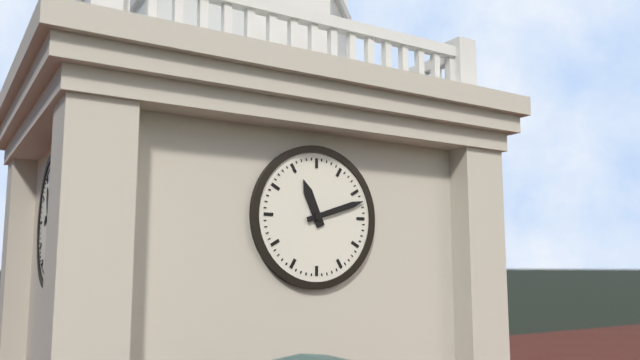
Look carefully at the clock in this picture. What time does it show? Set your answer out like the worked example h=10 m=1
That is h=11 m=12
